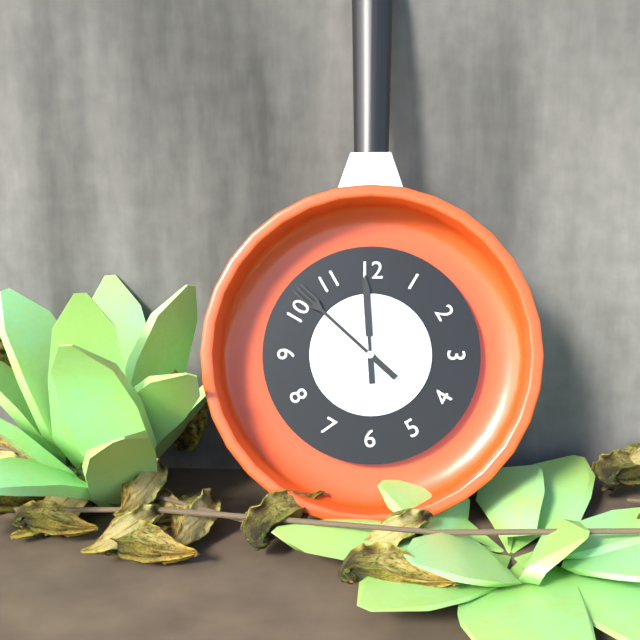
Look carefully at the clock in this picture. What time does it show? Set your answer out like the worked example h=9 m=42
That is h=11 m=52
